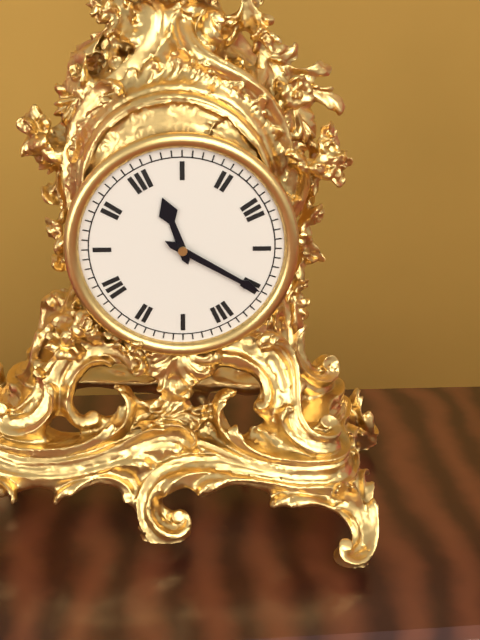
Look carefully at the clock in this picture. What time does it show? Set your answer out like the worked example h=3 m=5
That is h=11 m=20
